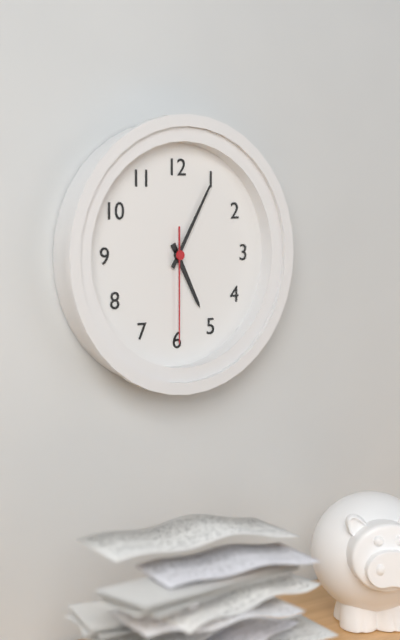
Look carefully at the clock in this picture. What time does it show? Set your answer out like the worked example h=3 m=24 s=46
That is h=5 m=5 s=30
